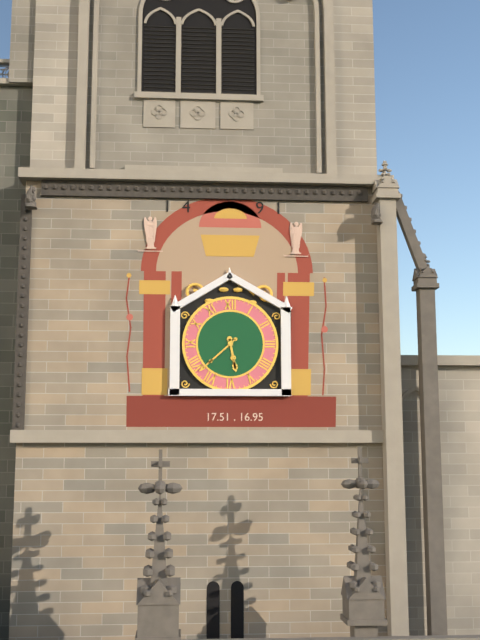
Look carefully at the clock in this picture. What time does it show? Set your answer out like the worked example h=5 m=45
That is h=5 m=38
